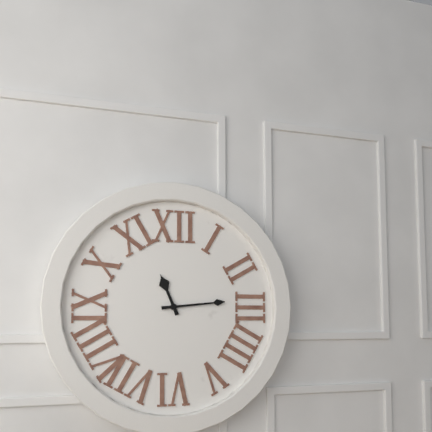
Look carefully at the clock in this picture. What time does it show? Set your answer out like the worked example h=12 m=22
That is h=11 m=14
